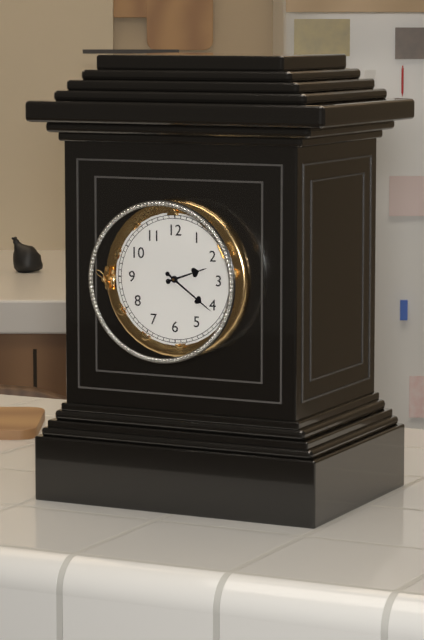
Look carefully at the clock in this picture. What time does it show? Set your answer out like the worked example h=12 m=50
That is h=2 m=21
